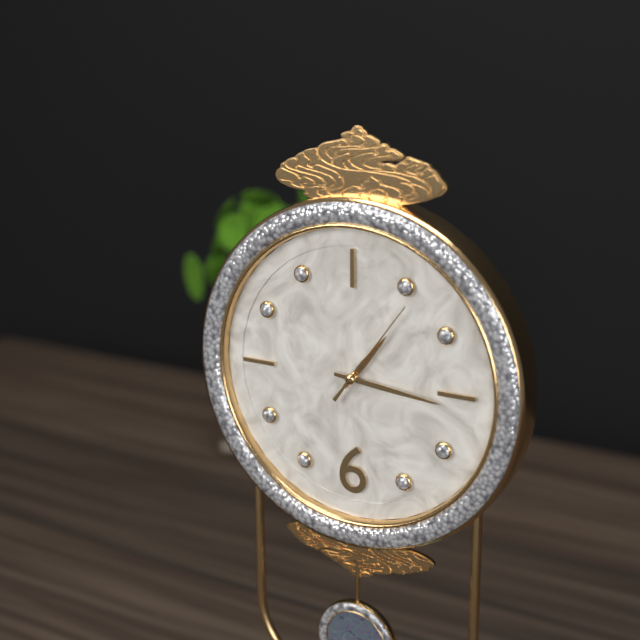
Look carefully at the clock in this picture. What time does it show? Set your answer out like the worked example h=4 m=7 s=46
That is h=1 m=16 s=6
